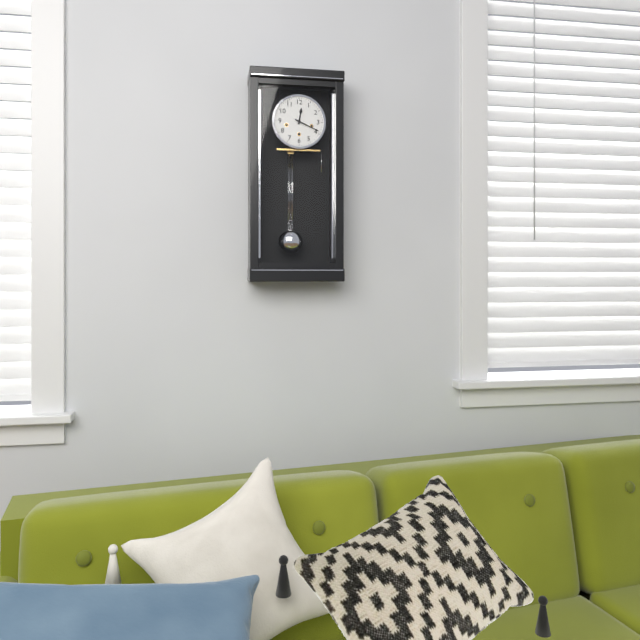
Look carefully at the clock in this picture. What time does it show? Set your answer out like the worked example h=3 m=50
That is h=12 m=19
